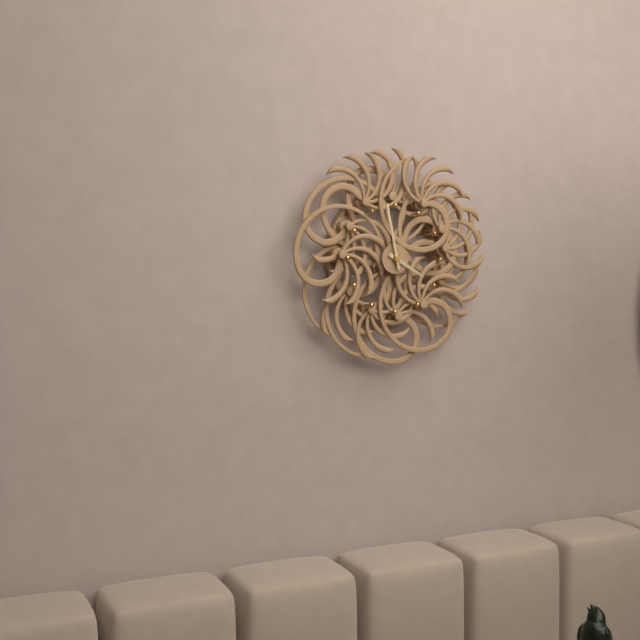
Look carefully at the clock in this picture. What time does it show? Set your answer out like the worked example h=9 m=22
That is h=3 m=58
